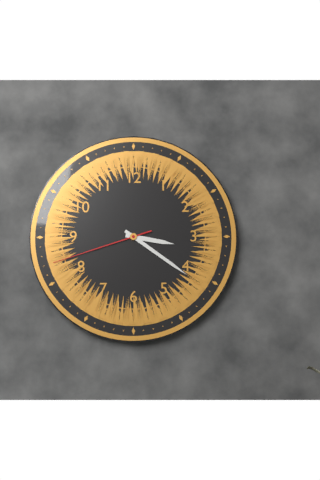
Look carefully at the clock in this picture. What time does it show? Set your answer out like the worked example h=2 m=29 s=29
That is h=3 m=21 s=42
